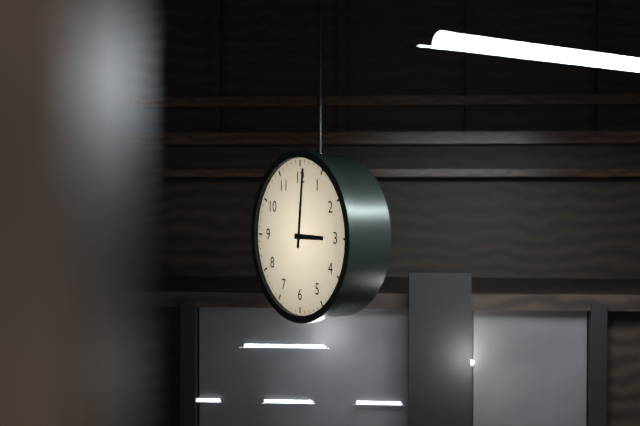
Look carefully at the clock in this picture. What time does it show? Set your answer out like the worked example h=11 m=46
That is h=3 m=1
